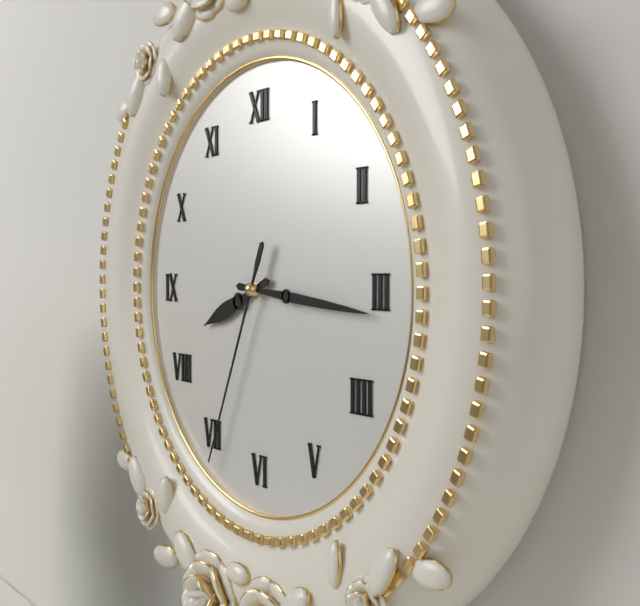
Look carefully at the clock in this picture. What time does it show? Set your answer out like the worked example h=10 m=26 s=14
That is h=8 m=16 s=34
